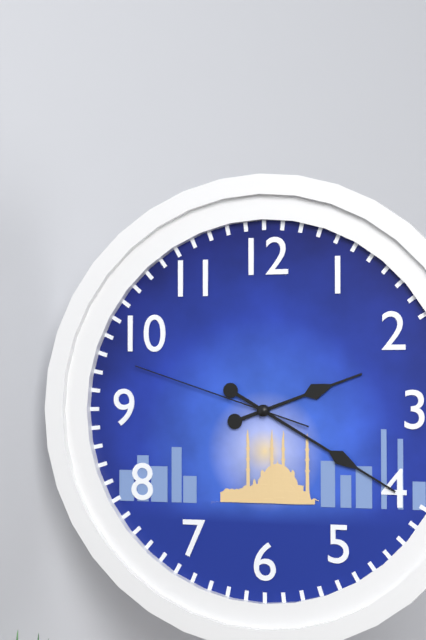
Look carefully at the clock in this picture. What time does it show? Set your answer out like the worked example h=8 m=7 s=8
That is h=2 m=20 s=48
